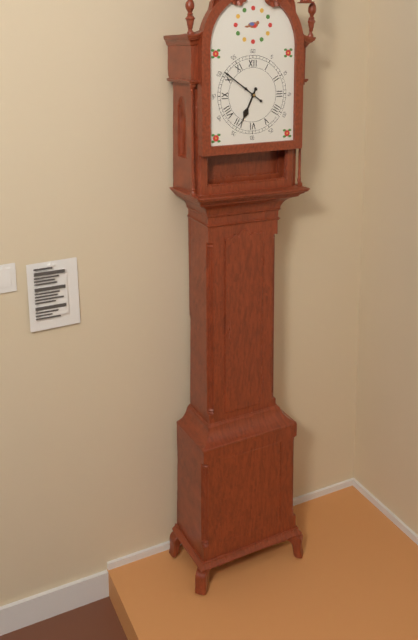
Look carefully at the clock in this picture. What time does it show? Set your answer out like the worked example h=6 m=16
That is h=6 m=51
